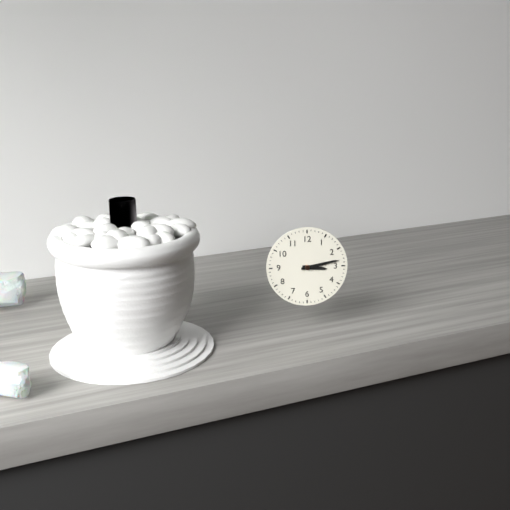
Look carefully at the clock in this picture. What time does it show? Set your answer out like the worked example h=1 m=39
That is h=3 m=13
